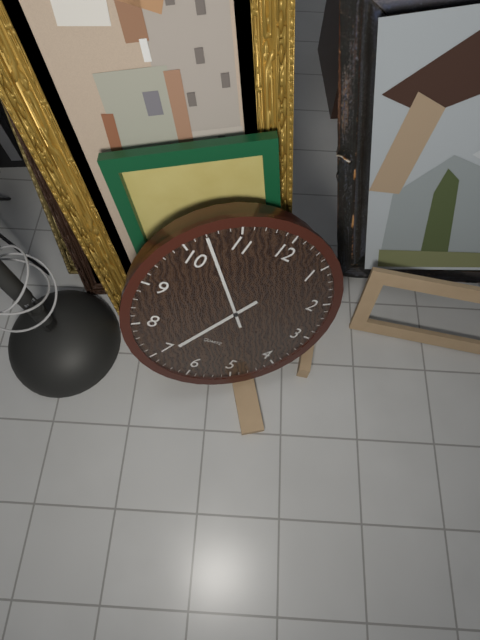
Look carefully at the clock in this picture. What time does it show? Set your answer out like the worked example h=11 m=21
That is h=6 m=52
